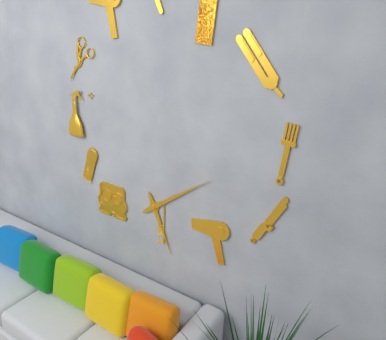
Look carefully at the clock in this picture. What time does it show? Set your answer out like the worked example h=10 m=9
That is h=5 m=9
